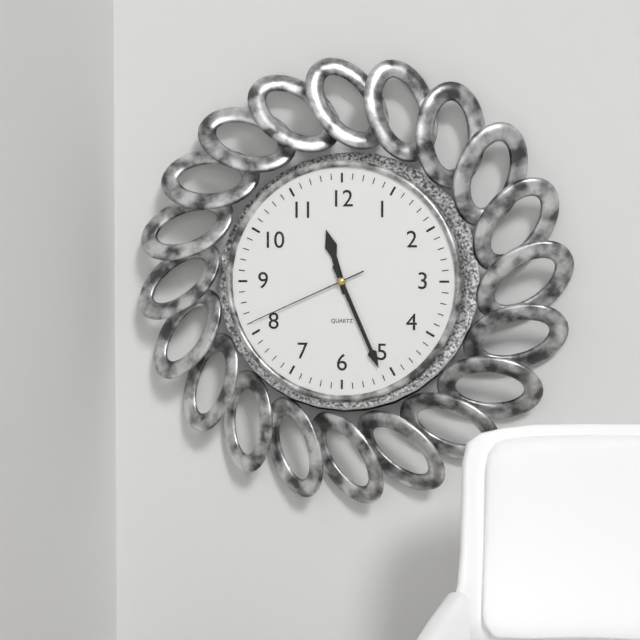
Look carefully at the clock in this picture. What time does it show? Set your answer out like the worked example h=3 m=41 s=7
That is h=11 m=26 s=41
